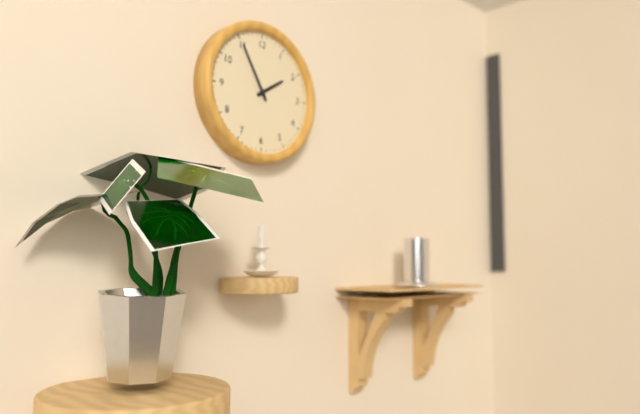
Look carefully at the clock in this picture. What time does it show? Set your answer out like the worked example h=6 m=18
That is h=1 m=55
